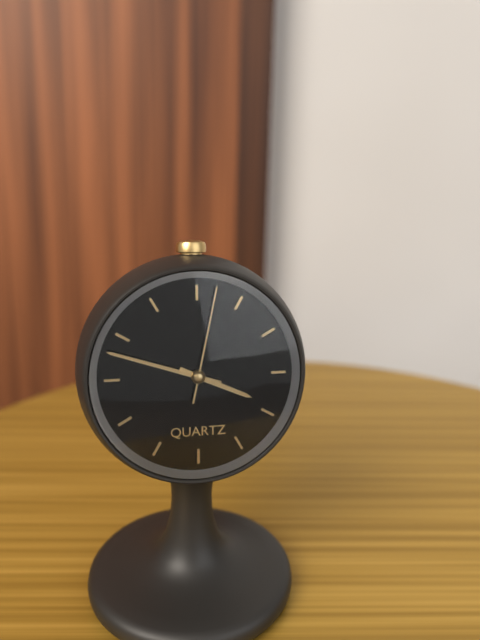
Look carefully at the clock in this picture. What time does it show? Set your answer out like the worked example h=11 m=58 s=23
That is h=3 m=48 s=2
